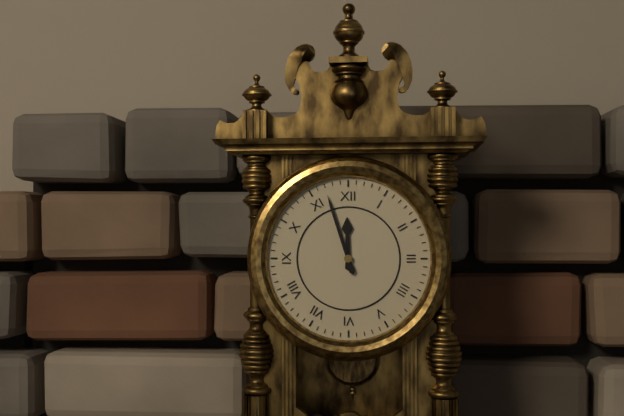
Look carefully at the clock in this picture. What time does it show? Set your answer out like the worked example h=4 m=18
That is h=11 m=57
